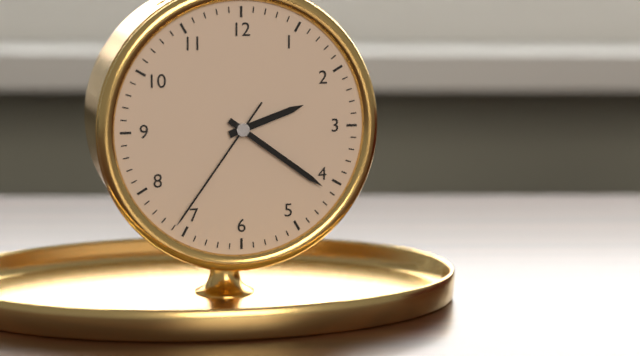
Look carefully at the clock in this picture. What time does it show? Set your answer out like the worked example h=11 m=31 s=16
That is h=2 m=21 s=36
